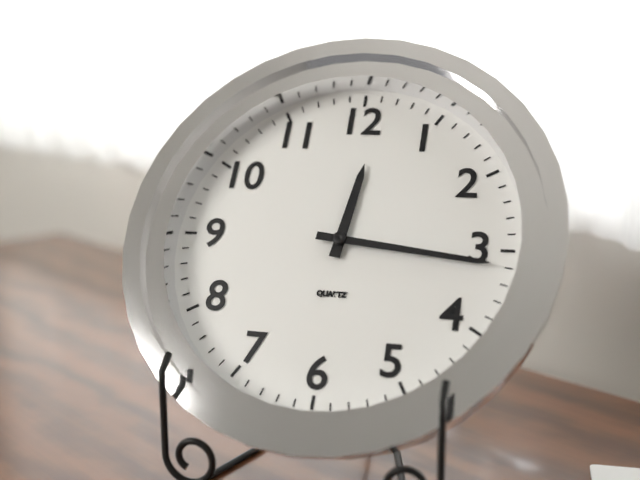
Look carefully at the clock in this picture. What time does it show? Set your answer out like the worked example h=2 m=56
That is h=12 m=16
